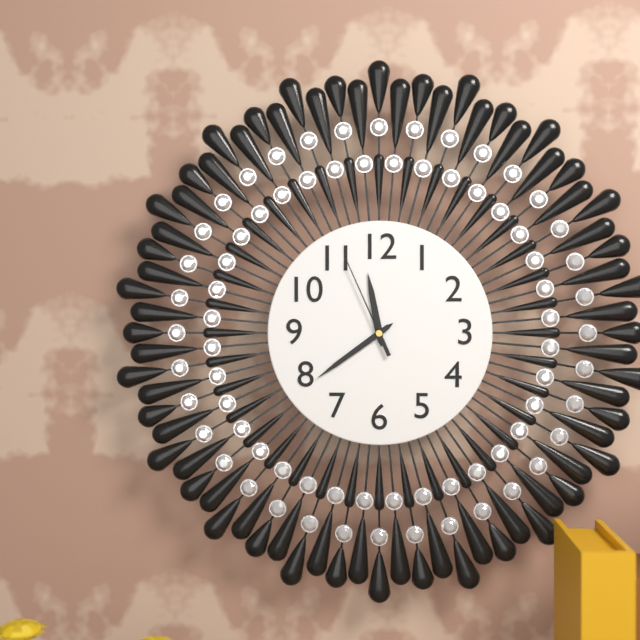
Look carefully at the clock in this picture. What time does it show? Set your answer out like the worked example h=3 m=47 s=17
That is h=11 m=39 s=56
